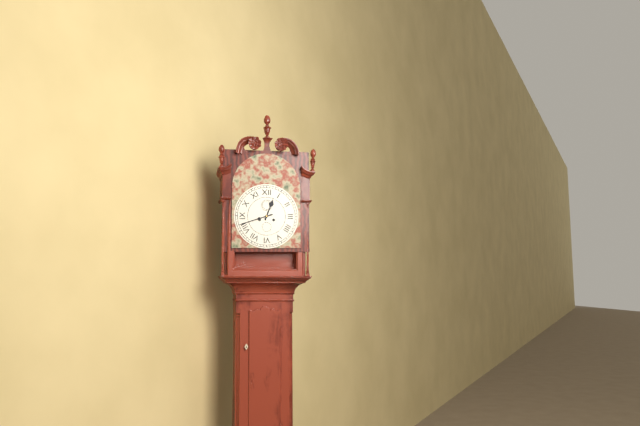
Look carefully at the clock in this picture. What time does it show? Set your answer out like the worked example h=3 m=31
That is h=12 m=42
